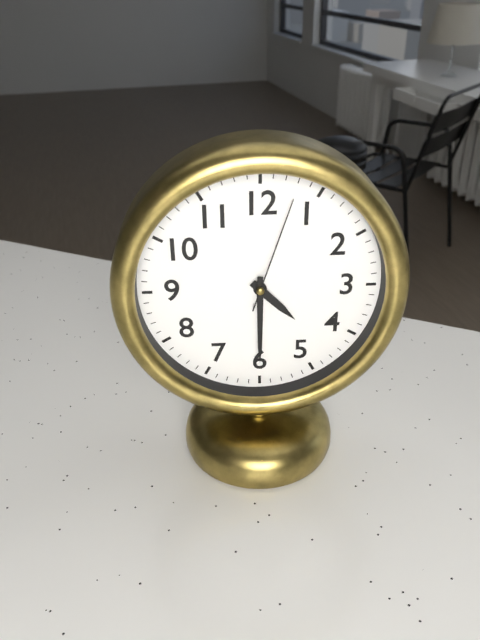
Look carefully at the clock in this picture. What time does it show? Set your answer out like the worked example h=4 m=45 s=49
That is h=4 m=30 s=3
